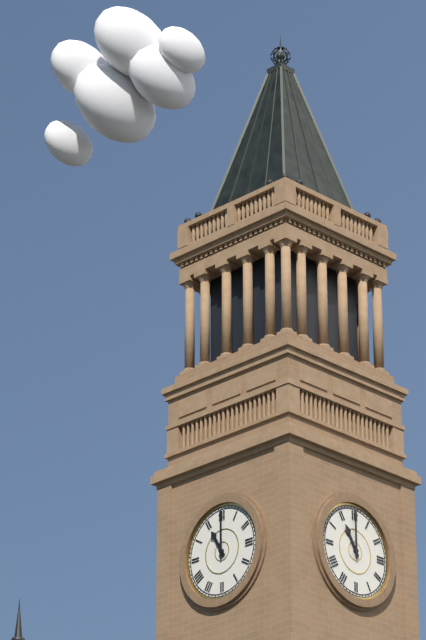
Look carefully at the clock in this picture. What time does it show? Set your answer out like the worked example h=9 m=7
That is h=11 m=0
